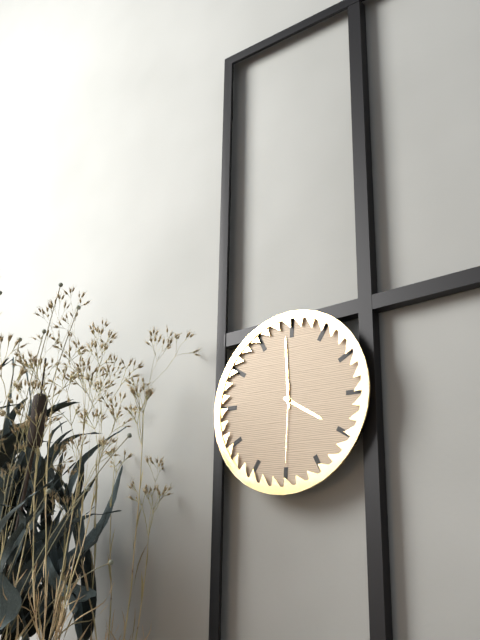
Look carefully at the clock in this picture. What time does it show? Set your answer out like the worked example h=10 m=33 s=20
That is h=3 m=59 s=30
